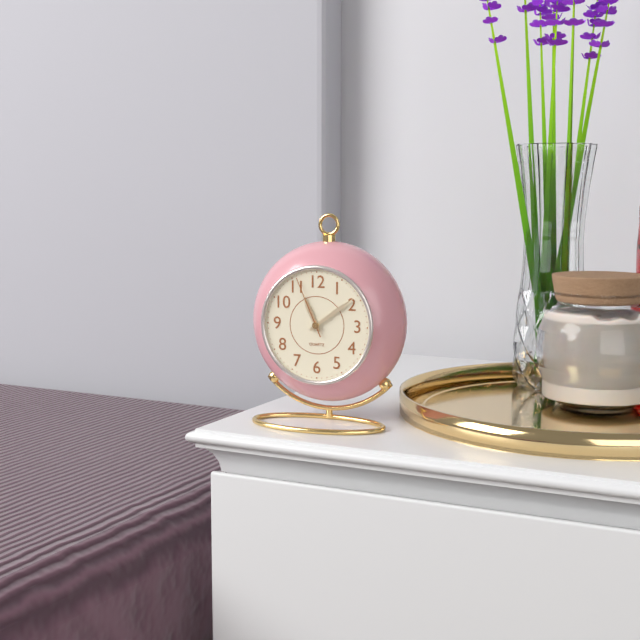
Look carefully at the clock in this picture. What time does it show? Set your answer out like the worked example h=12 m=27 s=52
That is h=11 m=9 s=56
